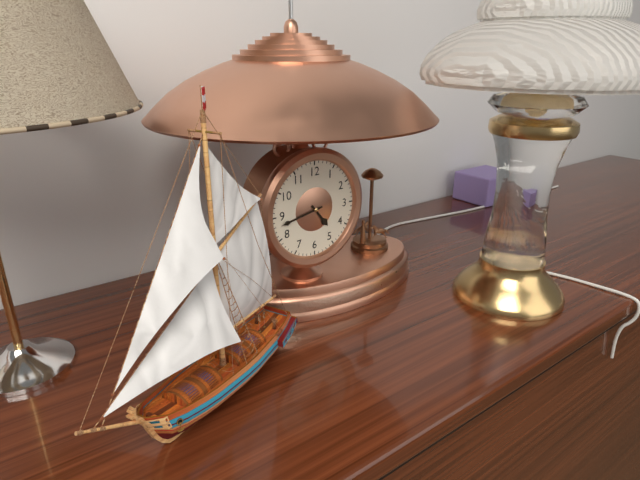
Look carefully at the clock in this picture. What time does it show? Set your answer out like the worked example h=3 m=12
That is h=4 m=43
